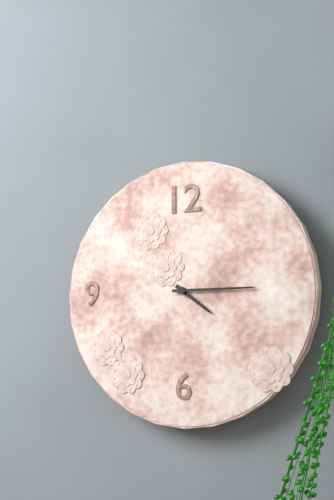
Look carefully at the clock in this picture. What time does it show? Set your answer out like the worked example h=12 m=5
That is h=4 m=15
